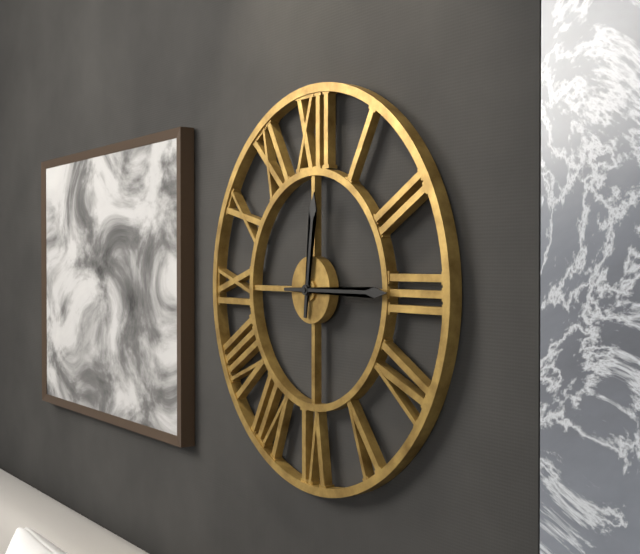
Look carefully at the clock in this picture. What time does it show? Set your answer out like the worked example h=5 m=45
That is h=12 m=15
